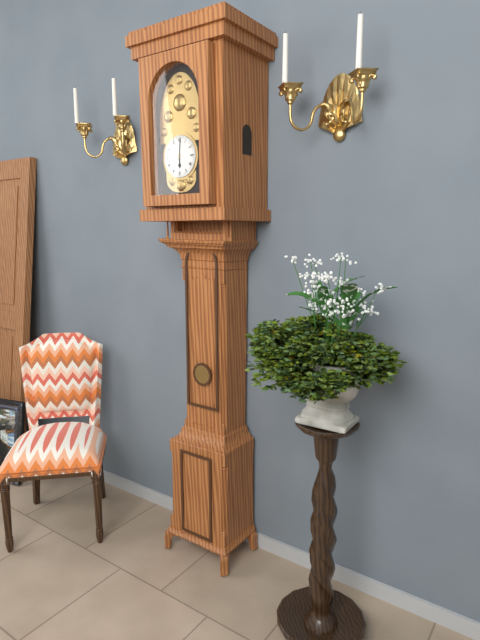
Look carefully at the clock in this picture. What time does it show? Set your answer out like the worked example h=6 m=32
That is h=6 m=1
